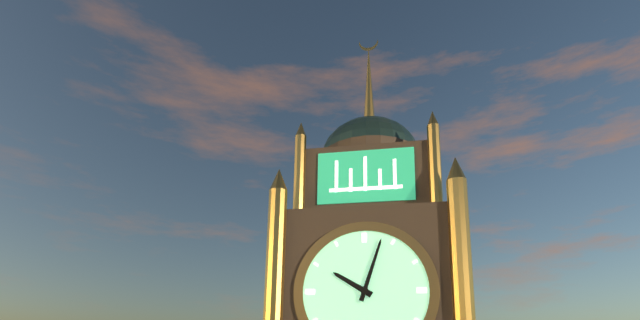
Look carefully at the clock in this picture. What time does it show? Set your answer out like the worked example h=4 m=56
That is h=10 m=3
